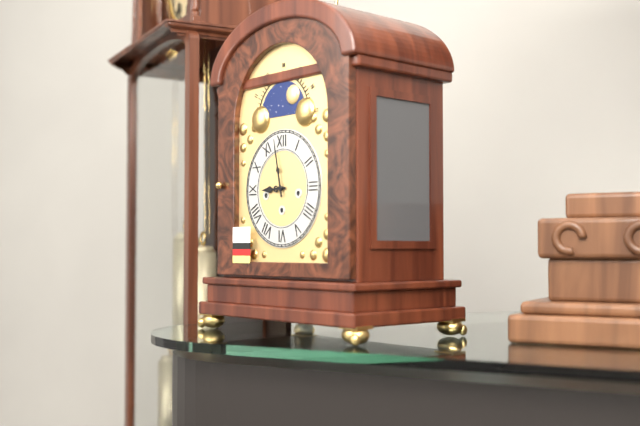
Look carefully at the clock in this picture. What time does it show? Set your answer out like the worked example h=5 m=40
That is h=8 m=58
